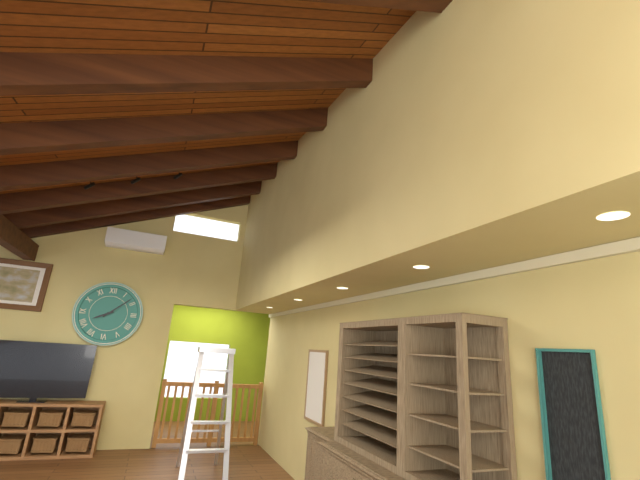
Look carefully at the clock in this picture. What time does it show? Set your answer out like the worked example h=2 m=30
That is h=8 m=8
